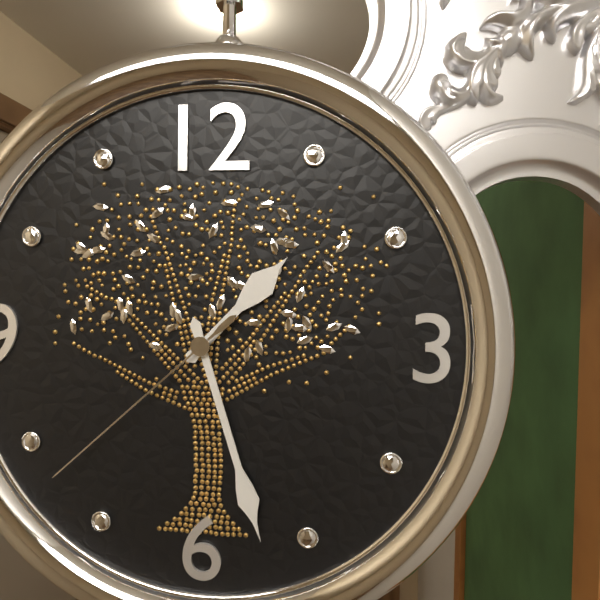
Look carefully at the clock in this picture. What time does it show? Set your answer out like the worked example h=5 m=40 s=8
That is h=1 m=27 s=38
